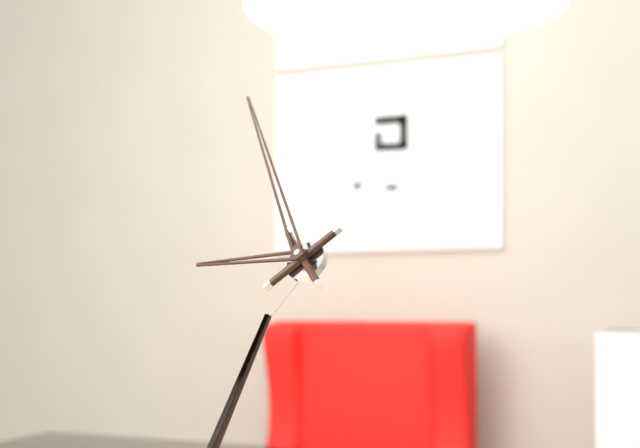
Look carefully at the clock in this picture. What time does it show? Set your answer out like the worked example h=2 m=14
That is h=8 m=54
